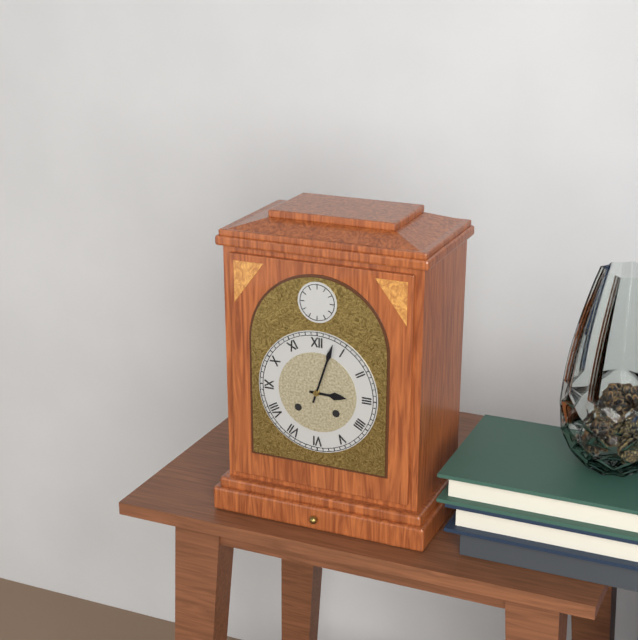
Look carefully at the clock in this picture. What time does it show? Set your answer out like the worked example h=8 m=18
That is h=3 m=3
